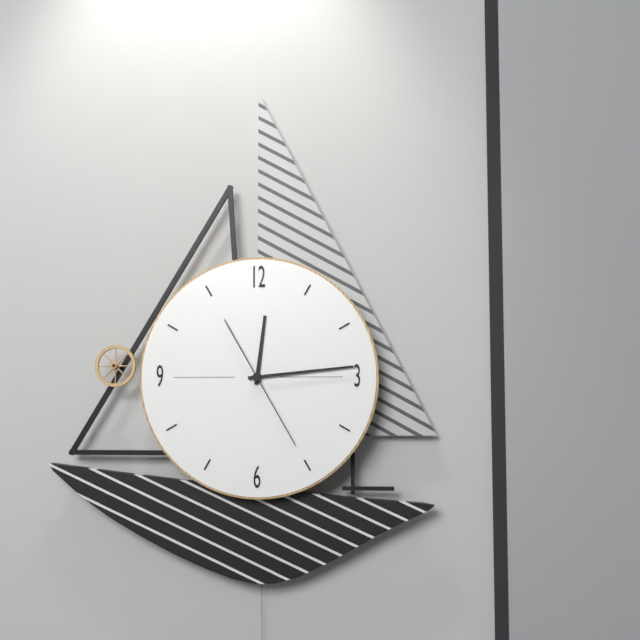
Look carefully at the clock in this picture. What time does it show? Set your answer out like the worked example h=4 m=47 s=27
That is h=12 m=14 s=25
